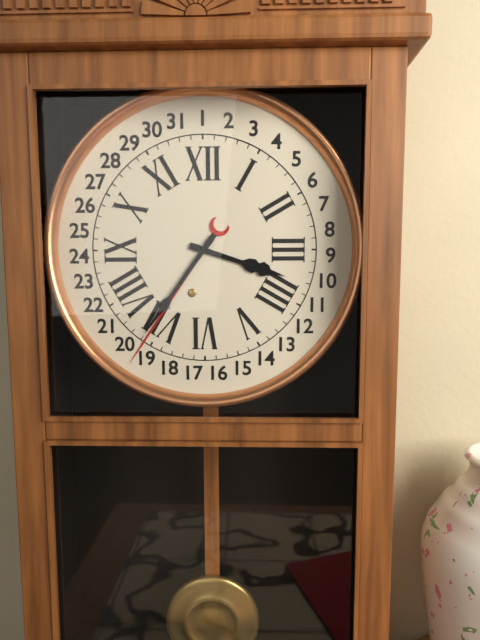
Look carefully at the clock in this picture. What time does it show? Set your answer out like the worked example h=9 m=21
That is h=3 m=36
